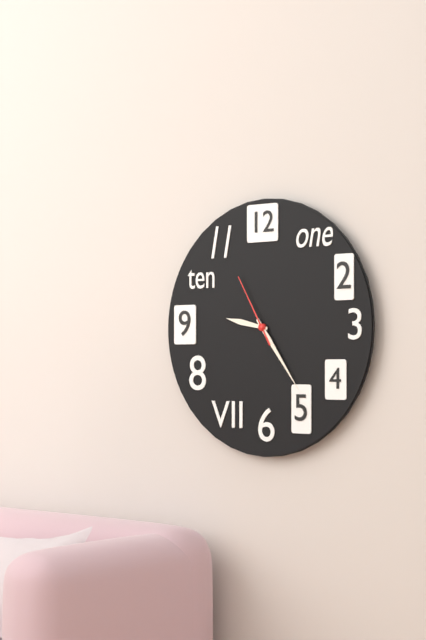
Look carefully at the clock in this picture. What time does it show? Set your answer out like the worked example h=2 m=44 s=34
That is h=9 m=24 s=55
